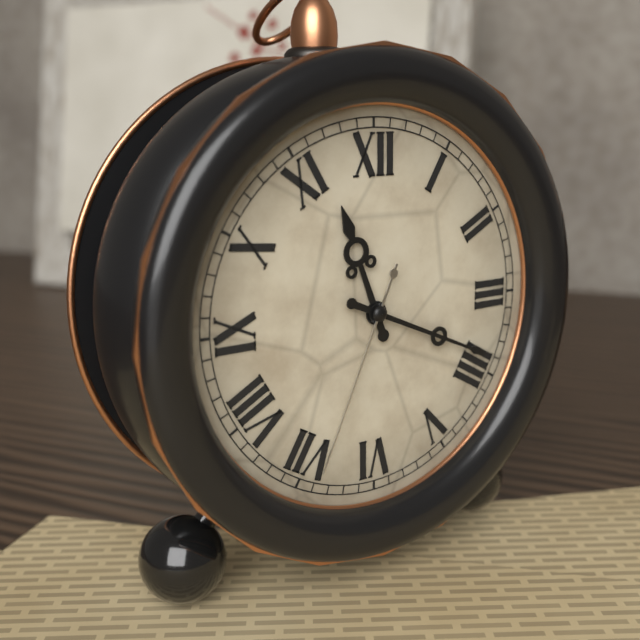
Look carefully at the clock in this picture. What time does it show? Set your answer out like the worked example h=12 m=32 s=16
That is h=11 m=19 s=34
